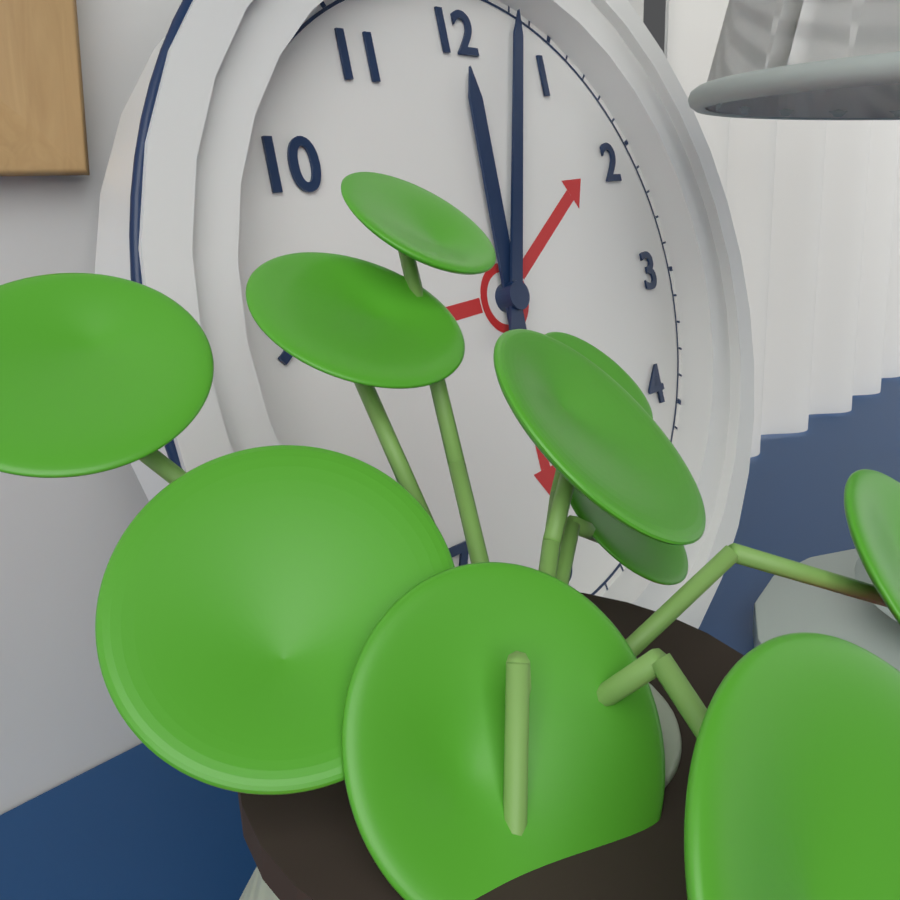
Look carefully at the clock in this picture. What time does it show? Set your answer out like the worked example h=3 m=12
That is h=12 m=3
